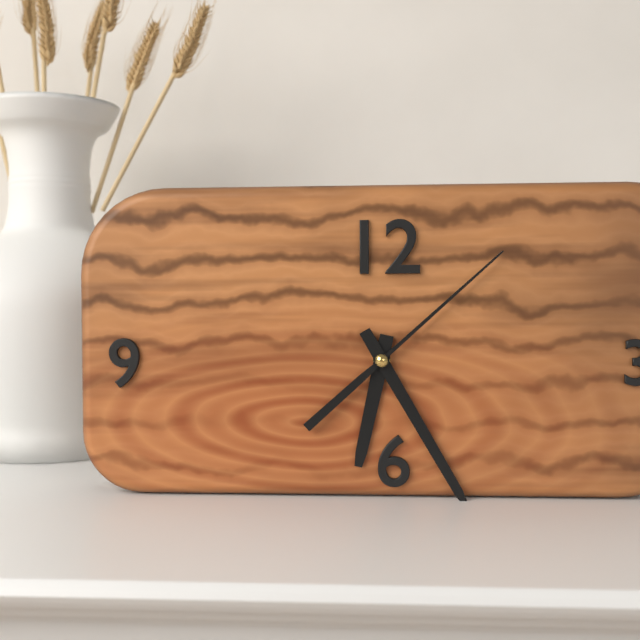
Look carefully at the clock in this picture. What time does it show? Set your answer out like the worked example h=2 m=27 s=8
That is h=6 m=25 s=8
